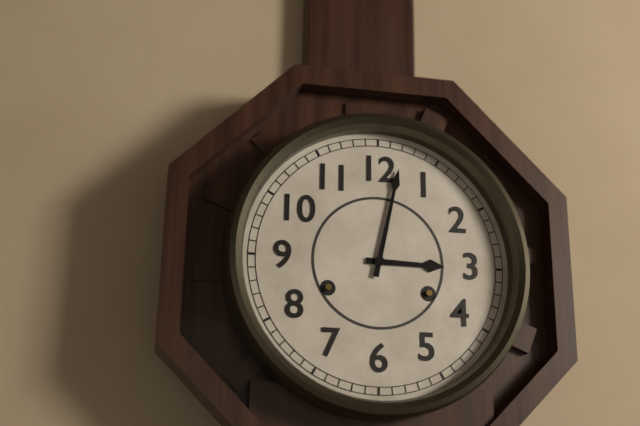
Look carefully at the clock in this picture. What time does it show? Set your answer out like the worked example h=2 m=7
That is h=3 m=2
